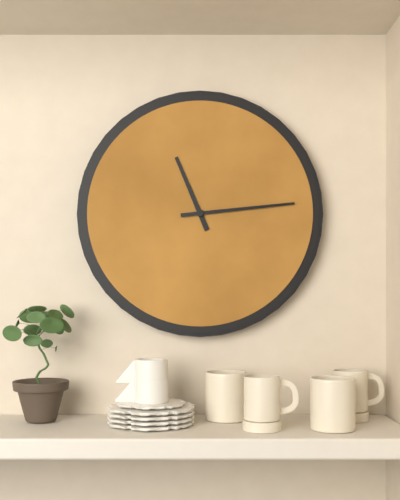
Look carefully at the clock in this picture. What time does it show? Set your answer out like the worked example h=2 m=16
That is h=11 m=14
